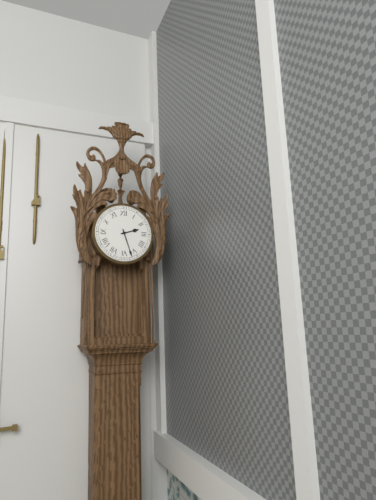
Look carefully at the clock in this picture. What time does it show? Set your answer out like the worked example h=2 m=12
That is h=2 m=27
